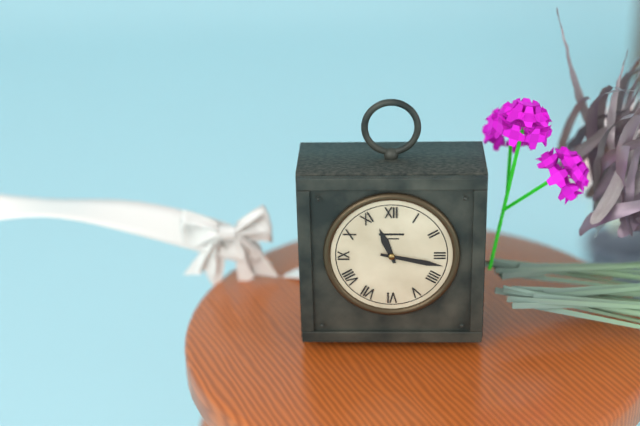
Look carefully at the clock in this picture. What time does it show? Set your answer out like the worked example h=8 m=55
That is h=11 m=17
